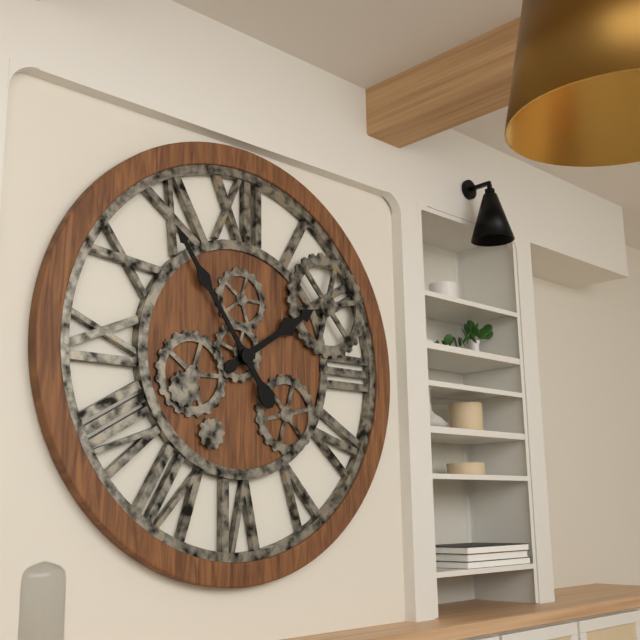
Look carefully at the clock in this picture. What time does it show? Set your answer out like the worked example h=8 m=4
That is h=1 m=54
